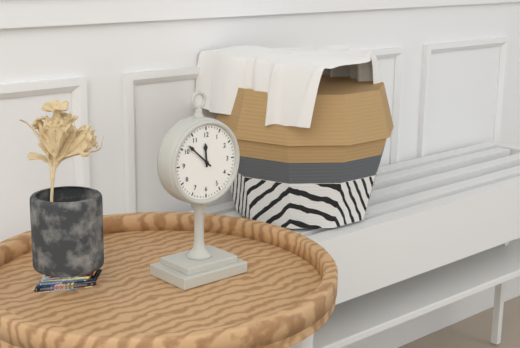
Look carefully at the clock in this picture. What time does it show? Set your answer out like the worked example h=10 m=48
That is h=11 m=52
